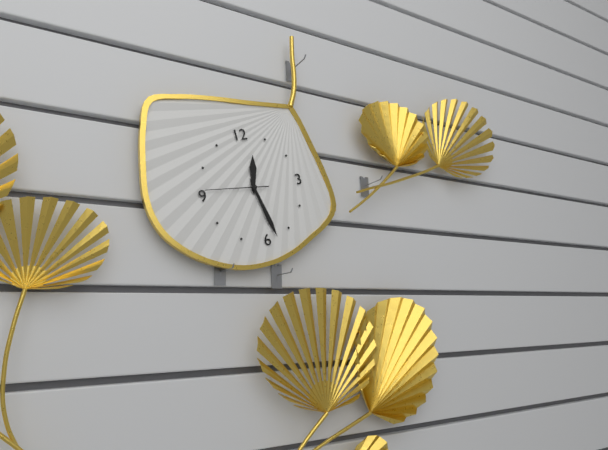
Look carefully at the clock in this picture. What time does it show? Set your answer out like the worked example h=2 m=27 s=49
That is h=12 m=28 s=46
